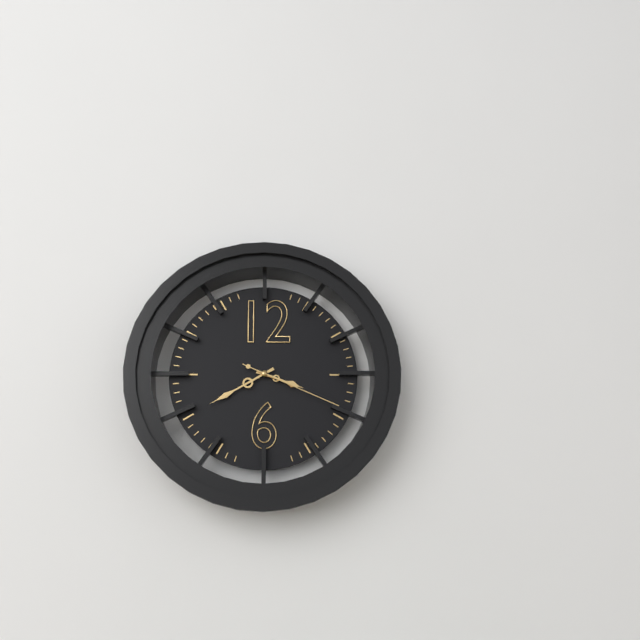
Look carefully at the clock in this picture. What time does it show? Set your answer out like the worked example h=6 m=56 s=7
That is h=3 m=40 s=19
